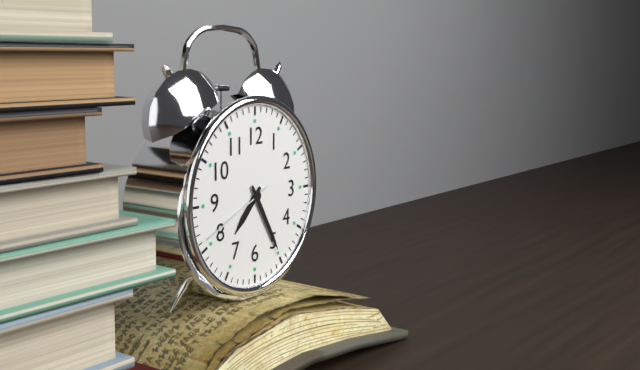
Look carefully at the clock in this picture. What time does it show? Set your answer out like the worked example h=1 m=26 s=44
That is h=7 m=25 s=41
